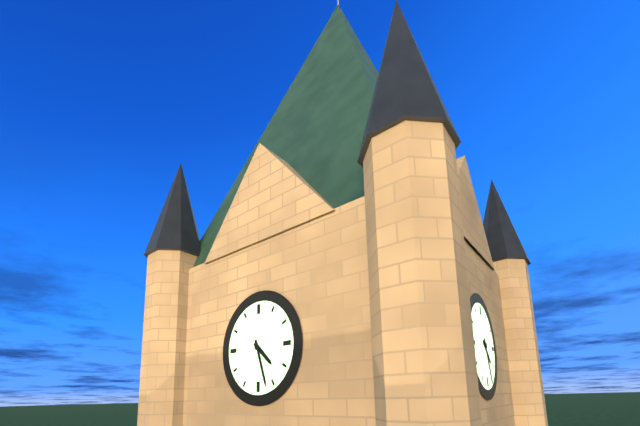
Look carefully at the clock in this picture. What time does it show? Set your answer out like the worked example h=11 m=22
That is h=4 m=27
